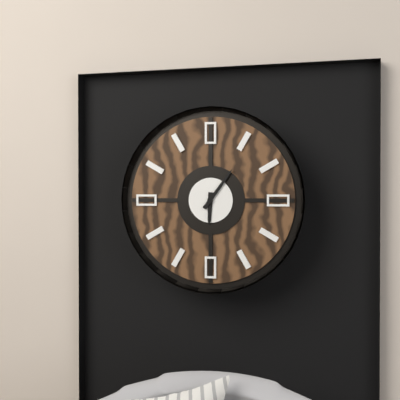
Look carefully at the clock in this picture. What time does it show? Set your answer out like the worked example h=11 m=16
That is h=6 m=6
